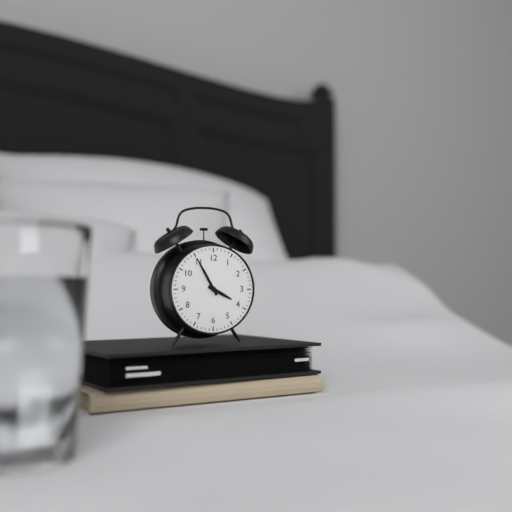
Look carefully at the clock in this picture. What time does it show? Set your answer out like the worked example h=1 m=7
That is h=3 m=55
